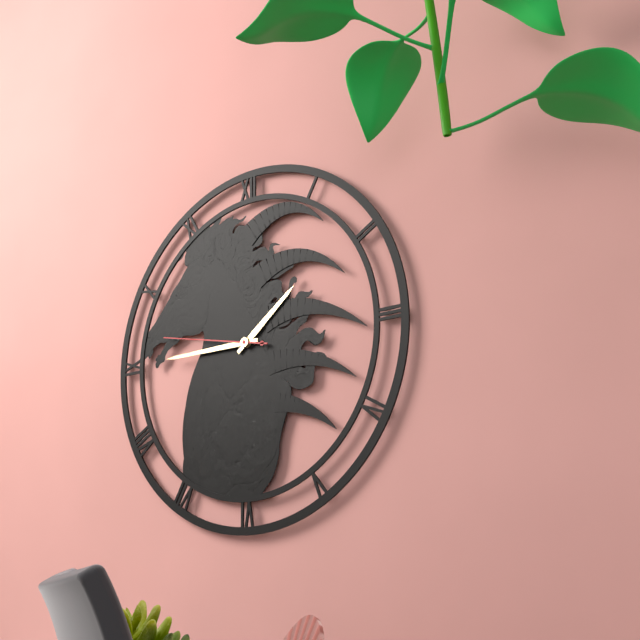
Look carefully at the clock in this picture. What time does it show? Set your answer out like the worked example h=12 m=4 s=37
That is h=1 m=45 s=47
